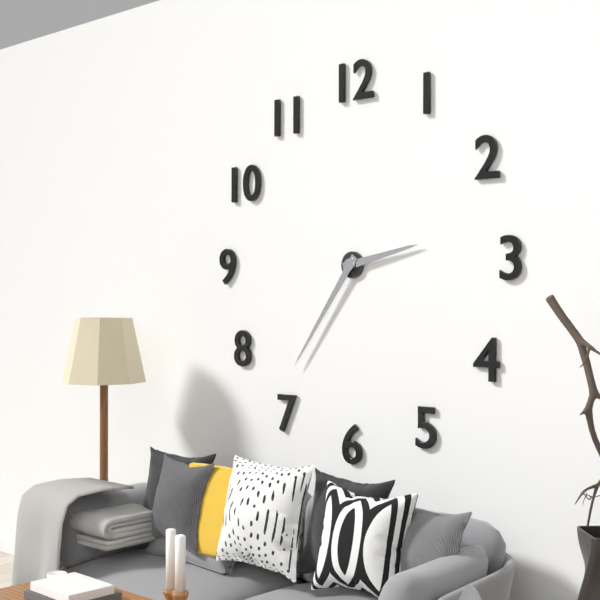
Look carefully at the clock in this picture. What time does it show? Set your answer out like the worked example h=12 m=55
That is h=2 m=36
